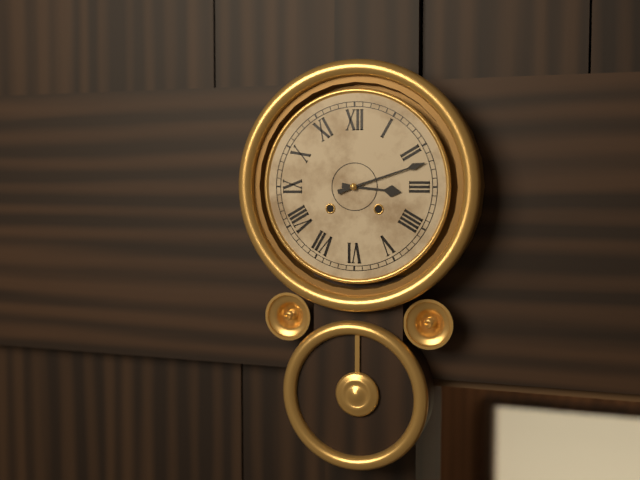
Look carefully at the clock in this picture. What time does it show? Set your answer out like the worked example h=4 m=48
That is h=3 m=12
